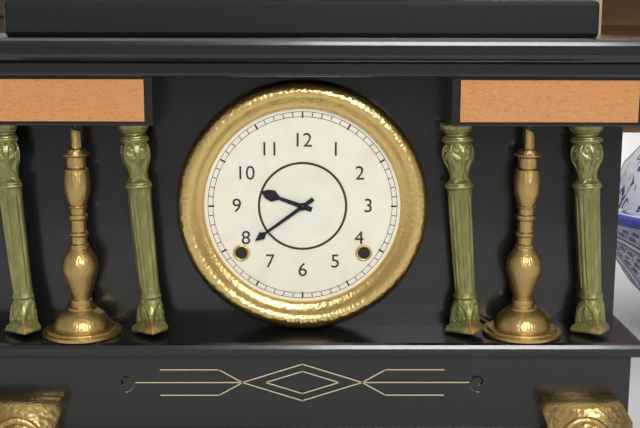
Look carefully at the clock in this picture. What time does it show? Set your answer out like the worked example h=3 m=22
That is h=9 m=39
